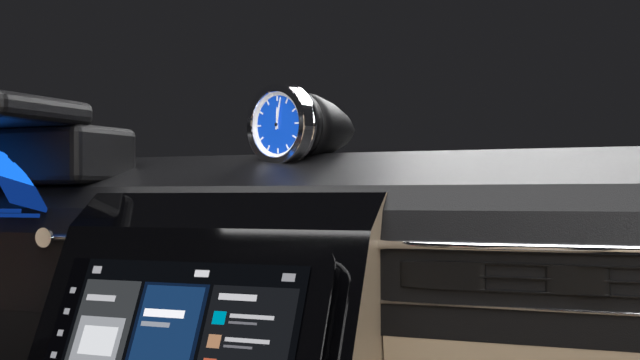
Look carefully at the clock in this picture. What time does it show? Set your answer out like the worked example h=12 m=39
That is h=12 m=2
